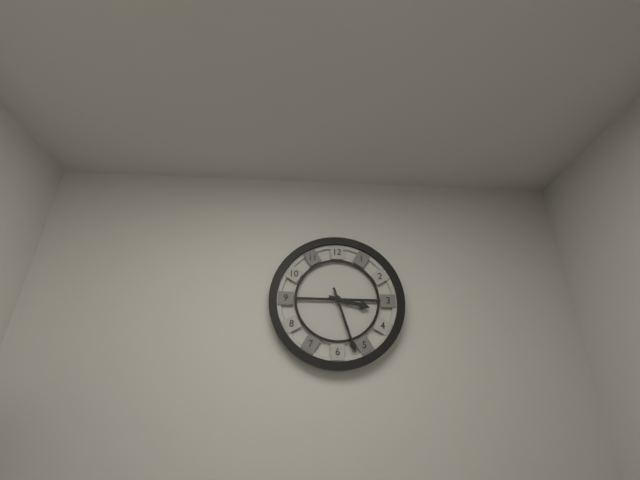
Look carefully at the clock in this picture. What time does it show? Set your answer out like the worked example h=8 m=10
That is h=3 m=27
